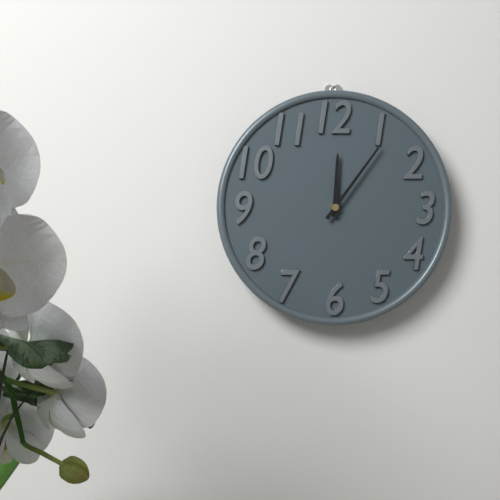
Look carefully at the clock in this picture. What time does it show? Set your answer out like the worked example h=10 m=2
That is h=12 m=6
